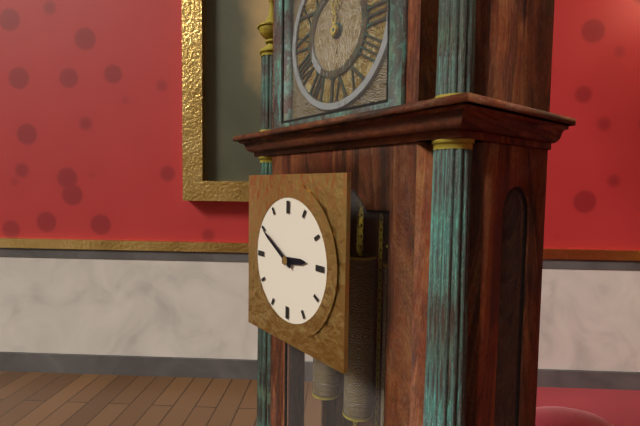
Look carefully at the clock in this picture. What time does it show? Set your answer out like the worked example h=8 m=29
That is h=2 m=50
